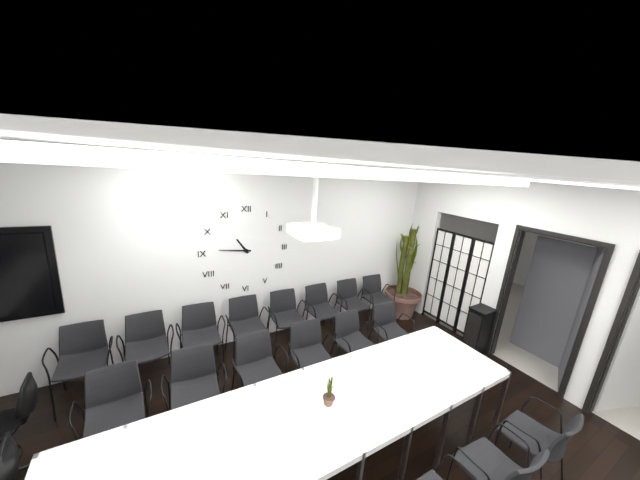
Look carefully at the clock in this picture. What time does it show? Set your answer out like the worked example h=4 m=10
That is h=10 m=46
